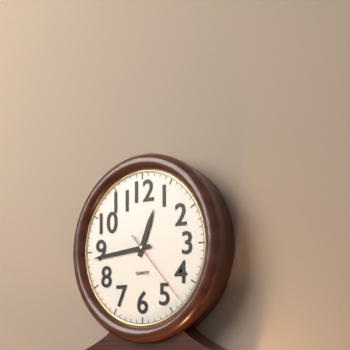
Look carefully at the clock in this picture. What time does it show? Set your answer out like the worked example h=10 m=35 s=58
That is h=12 m=44 s=23
